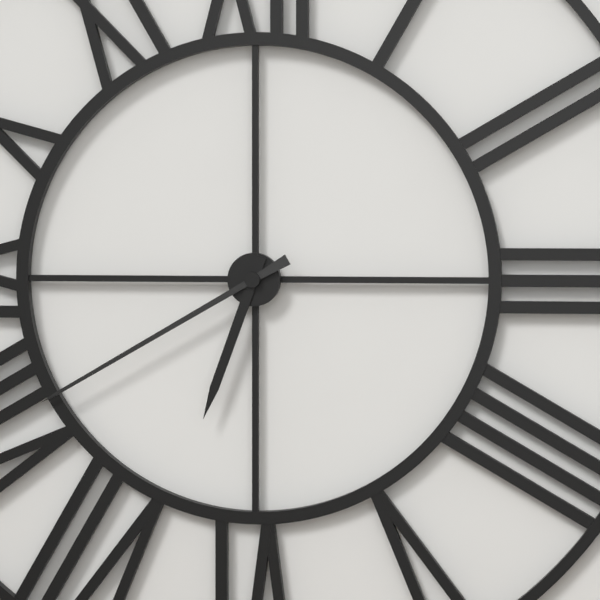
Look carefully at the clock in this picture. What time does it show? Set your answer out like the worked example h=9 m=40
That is h=6 m=40
